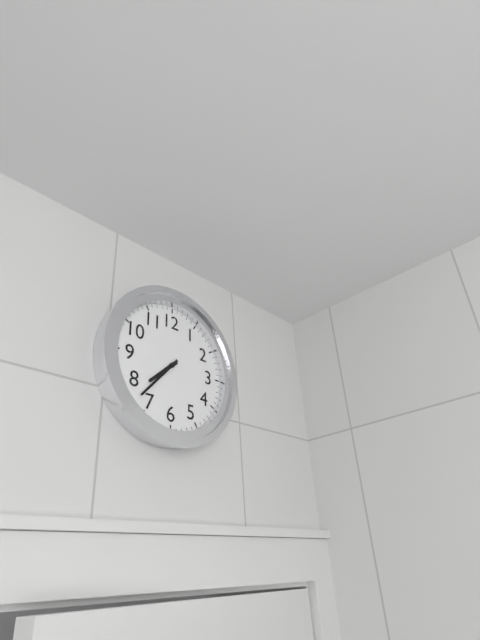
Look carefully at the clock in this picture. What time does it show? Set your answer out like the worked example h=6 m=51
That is h=7 m=37
